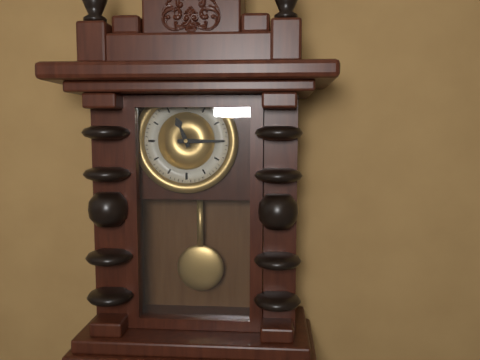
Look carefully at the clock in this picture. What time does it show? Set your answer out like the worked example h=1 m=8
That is h=11 m=15
